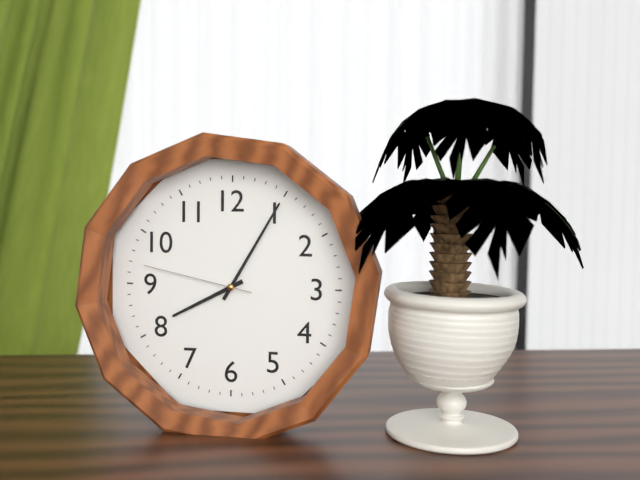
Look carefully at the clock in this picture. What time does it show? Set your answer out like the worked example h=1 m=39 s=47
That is h=8 m=5 s=47
